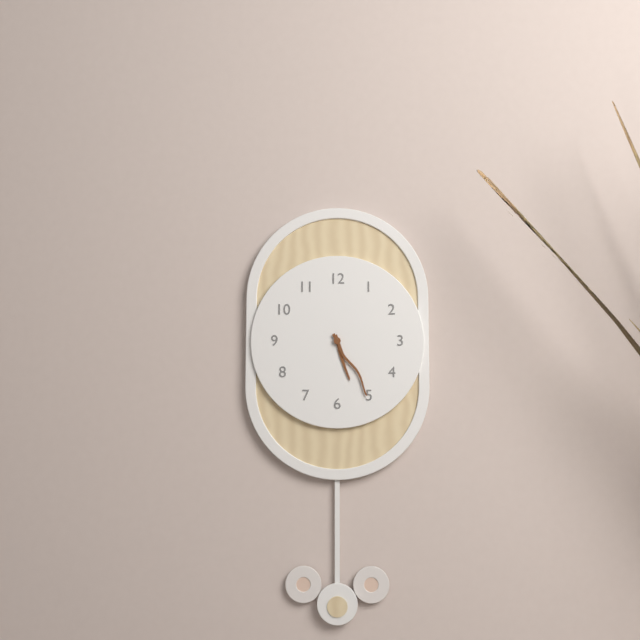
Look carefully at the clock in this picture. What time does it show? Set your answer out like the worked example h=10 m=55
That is h=5 m=25
